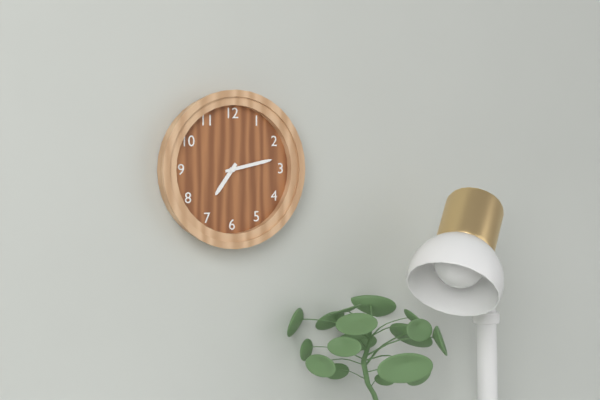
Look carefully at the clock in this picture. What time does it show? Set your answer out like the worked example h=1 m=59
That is h=7 m=13
